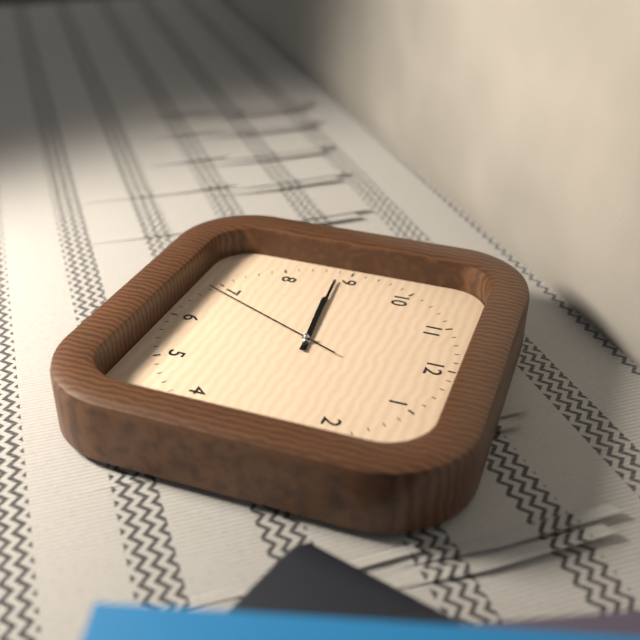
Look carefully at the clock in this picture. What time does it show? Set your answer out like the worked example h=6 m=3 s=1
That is h=8 m=44 s=34
